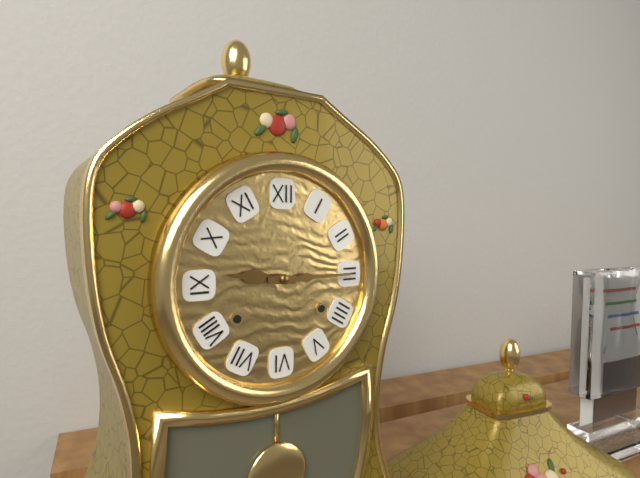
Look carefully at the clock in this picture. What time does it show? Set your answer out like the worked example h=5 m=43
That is h=9 m=15
